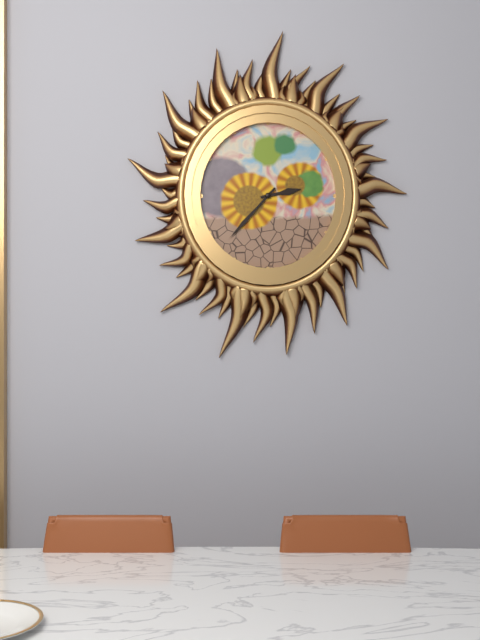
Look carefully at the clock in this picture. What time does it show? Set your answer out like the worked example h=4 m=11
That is h=2 m=37
